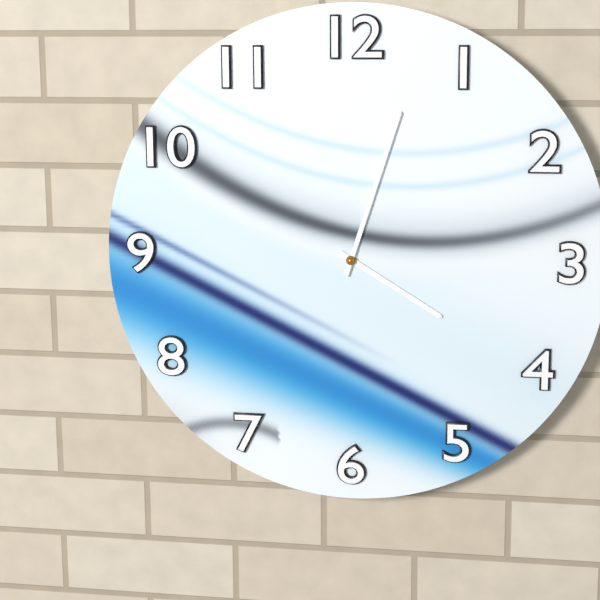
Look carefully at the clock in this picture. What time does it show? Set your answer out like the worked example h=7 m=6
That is h=4 m=3
